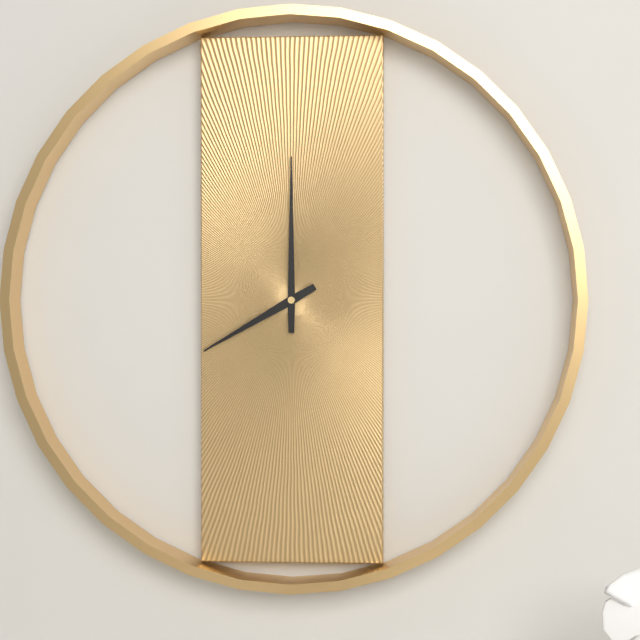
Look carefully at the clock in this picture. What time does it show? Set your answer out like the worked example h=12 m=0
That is h=8 m=0
